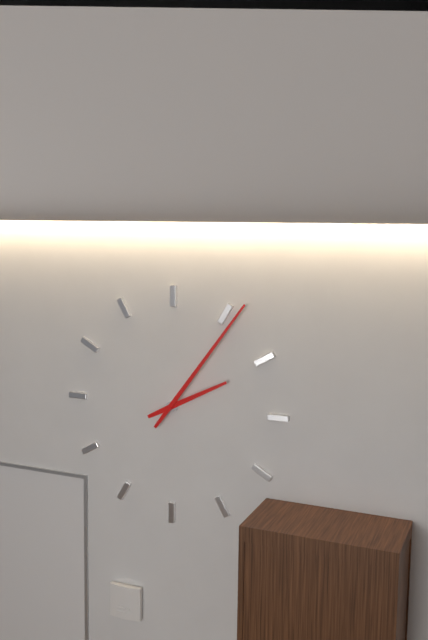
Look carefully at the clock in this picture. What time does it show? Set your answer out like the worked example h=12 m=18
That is h=2 m=6
